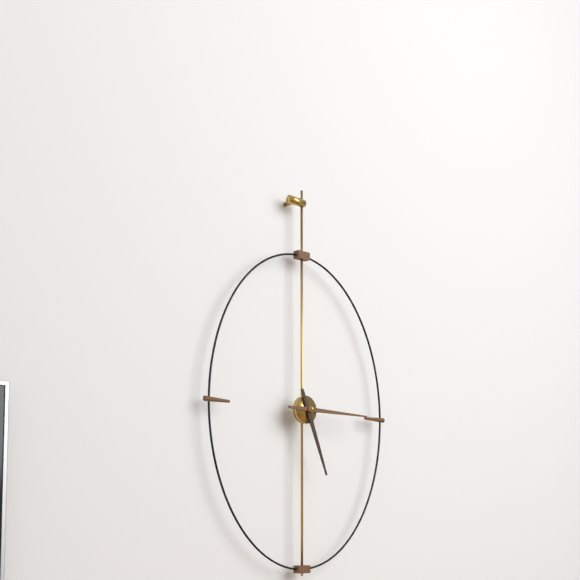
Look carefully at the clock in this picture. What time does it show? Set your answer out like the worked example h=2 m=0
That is h=5 m=15
